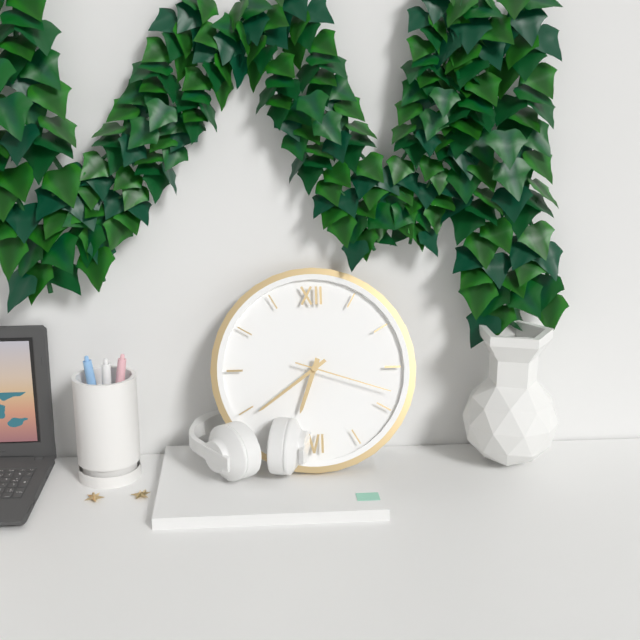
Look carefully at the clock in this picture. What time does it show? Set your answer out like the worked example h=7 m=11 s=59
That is h=6 m=39 s=18
